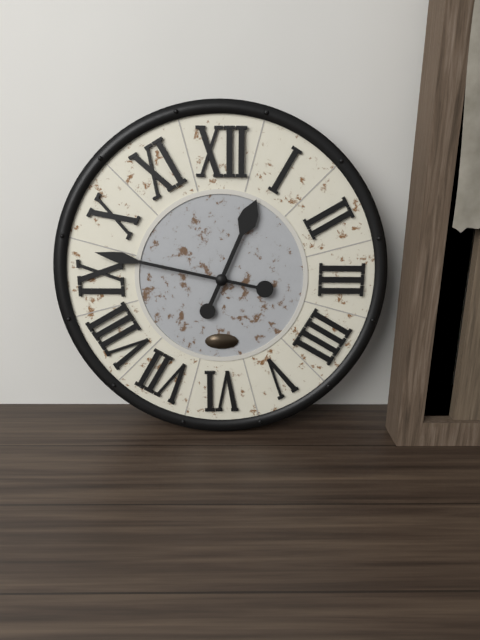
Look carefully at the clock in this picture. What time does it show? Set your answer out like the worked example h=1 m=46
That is h=12 m=47
